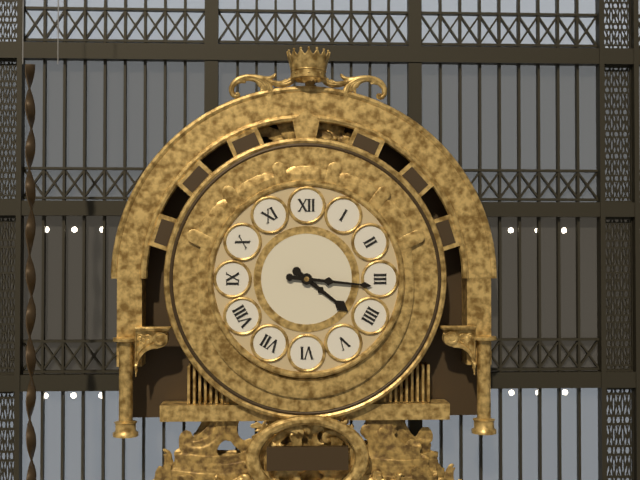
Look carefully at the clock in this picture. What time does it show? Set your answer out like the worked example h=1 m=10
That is h=4 m=16
